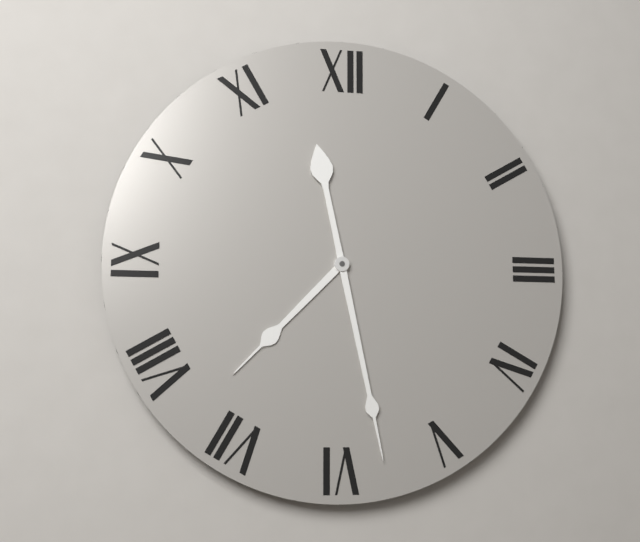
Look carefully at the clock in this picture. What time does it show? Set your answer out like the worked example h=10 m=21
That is h=7 m=28
